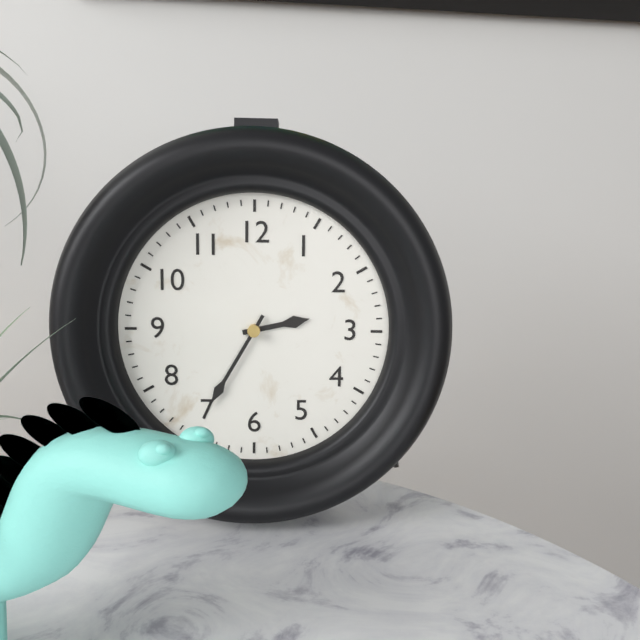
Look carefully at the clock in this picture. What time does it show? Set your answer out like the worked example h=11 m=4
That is h=2 m=35
